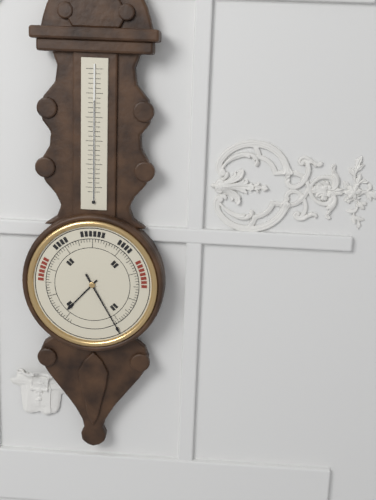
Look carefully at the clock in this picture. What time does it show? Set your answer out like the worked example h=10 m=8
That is h=7 m=25
